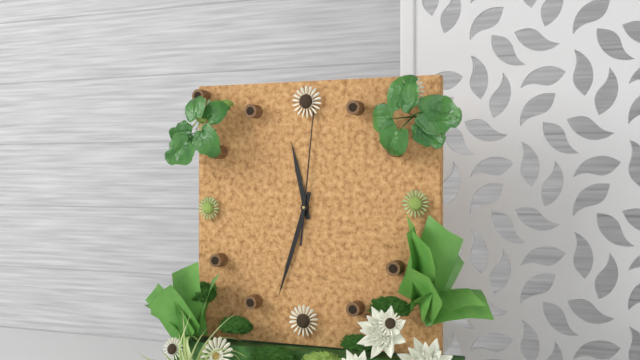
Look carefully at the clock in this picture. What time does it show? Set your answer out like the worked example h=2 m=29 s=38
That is h=11 m=33 s=1
